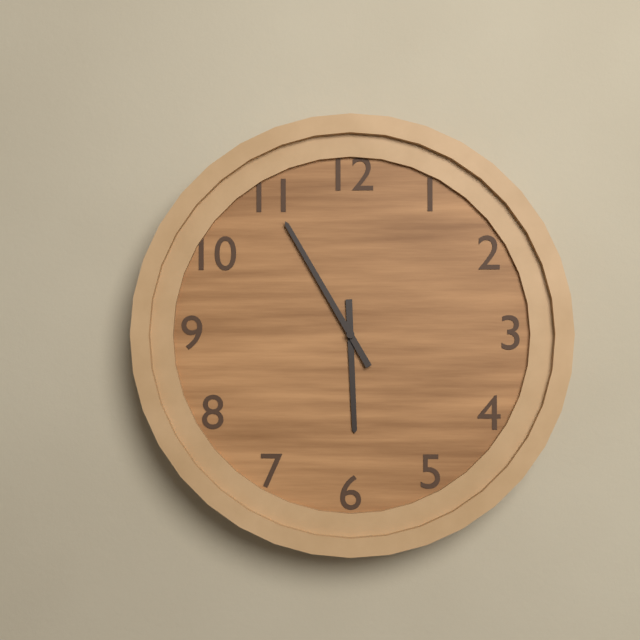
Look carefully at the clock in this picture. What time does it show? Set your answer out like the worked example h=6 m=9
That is h=5 m=55
